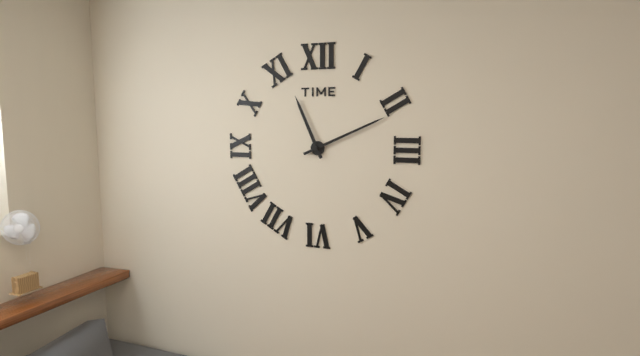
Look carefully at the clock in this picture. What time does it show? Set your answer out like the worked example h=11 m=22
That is h=11 m=11
